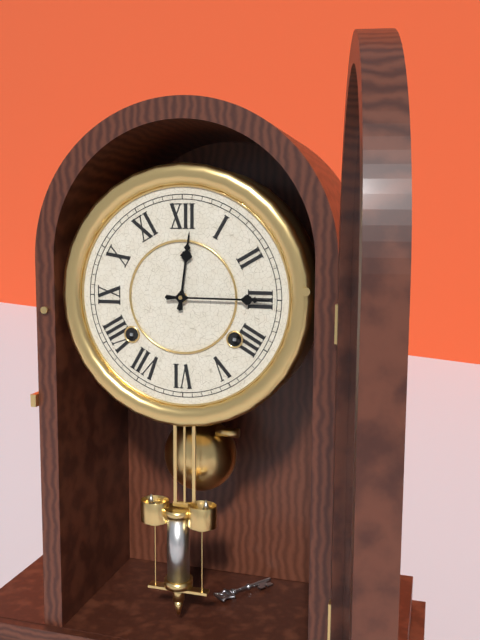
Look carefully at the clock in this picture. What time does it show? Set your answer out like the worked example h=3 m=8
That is h=12 m=15
